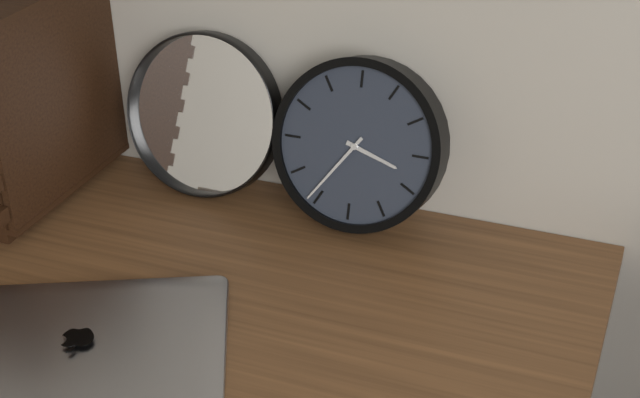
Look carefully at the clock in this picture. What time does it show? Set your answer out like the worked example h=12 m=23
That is h=3 m=36
